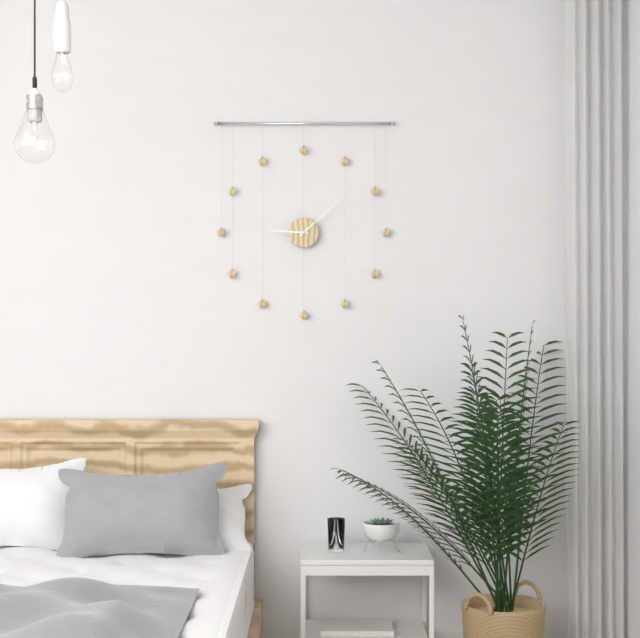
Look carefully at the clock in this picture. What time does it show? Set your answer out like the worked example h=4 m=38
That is h=9 m=8
